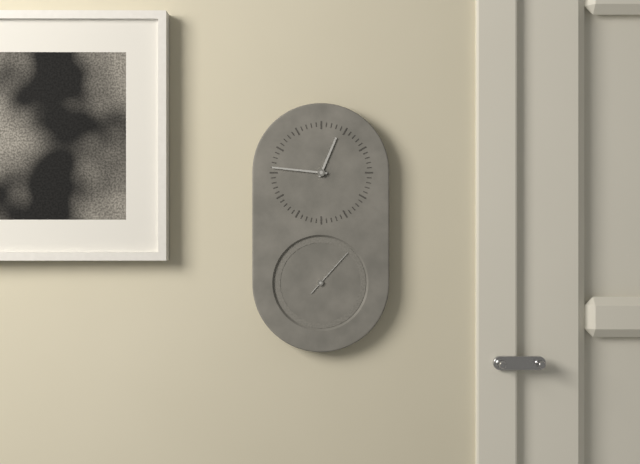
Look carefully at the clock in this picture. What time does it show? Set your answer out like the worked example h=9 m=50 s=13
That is h=12 m=46 s=7
